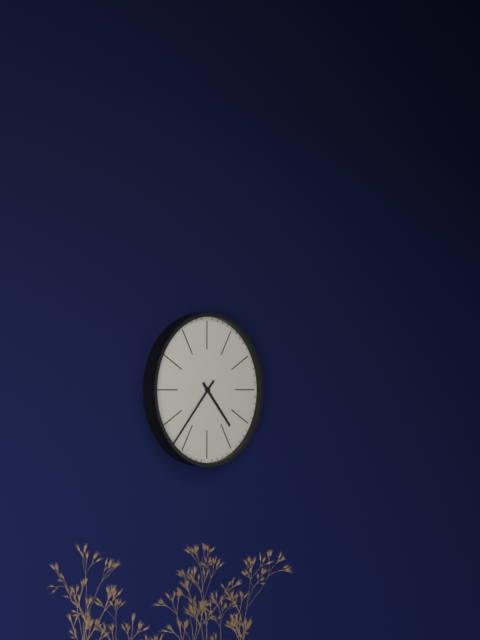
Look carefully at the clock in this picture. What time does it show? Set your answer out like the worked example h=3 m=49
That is h=4 m=37
